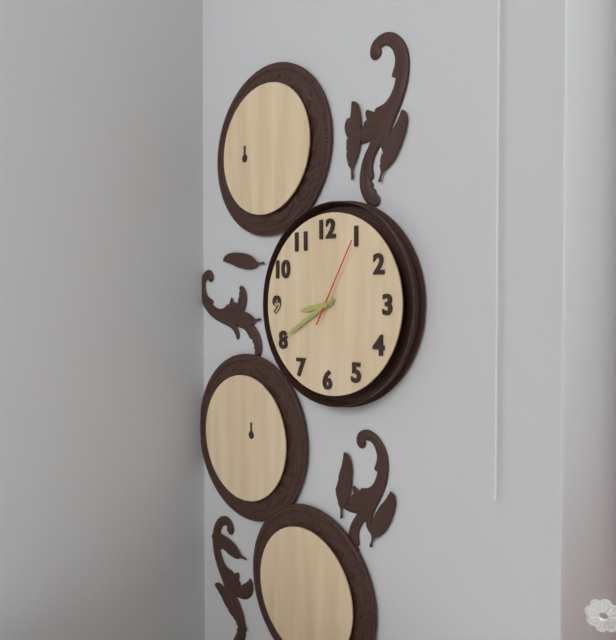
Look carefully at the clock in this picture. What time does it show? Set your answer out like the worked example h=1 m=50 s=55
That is h=8 m=40 s=5
